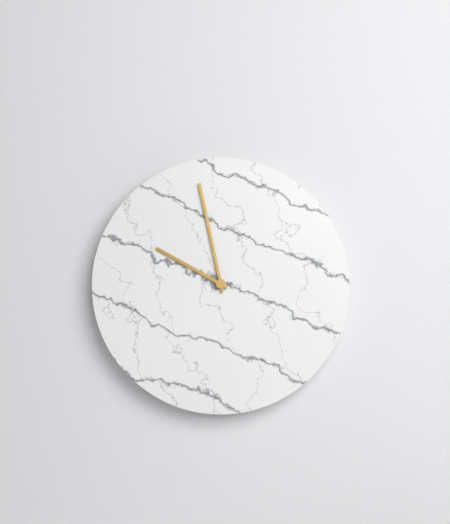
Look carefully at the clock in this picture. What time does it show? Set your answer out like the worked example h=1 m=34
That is h=9 m=58
